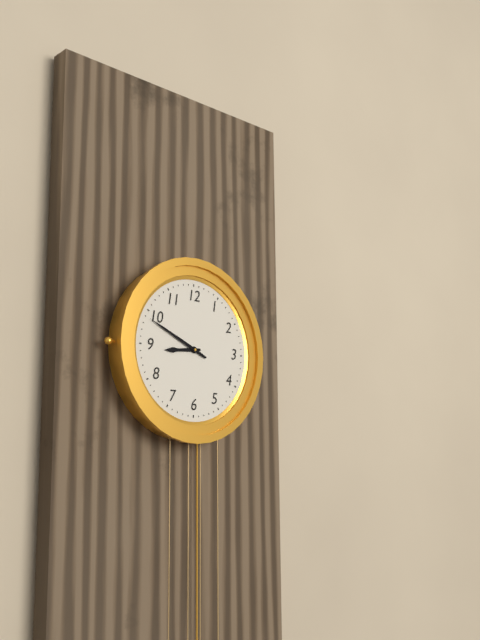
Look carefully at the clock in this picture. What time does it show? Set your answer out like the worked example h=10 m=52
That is h=8 m=49
